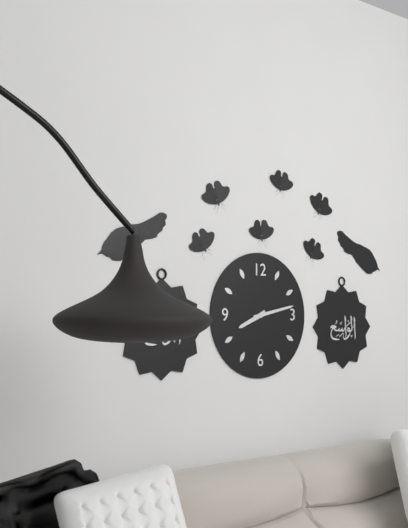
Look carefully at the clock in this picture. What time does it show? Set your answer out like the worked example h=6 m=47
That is h=8 m=13
